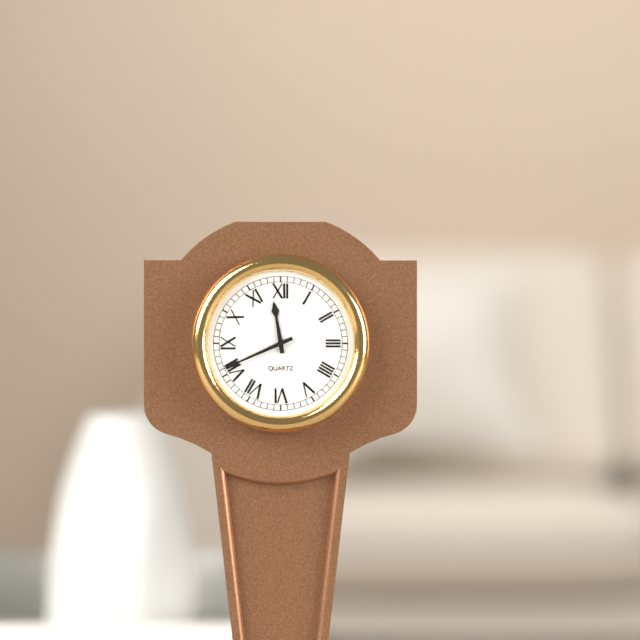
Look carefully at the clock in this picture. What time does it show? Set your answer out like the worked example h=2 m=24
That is h=11 m=41
